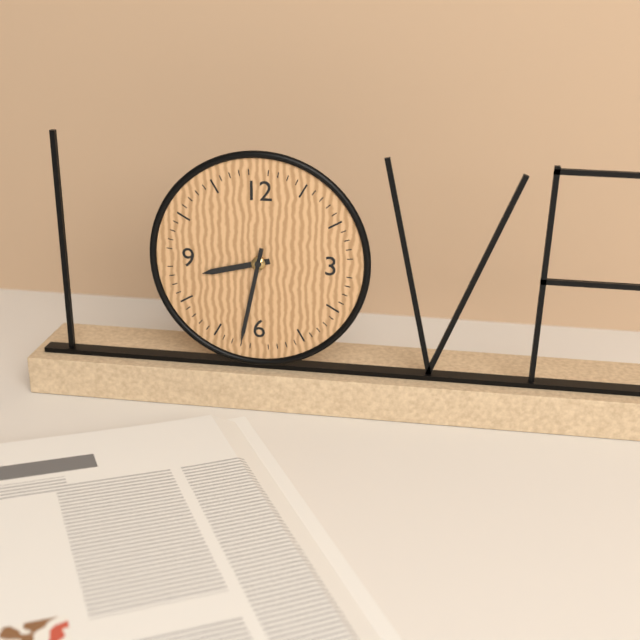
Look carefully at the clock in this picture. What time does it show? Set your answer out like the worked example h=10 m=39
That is h=8 m=32
